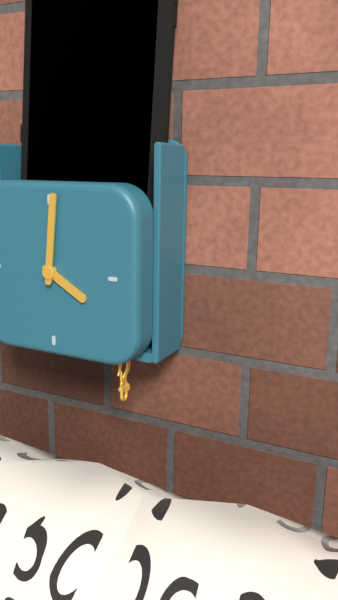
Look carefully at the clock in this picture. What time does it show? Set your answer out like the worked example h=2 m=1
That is h=4 m=1
